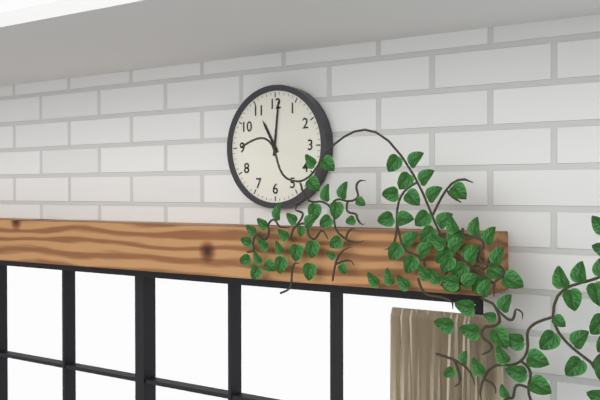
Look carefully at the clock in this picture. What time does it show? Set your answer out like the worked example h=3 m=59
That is h=11 m=1
